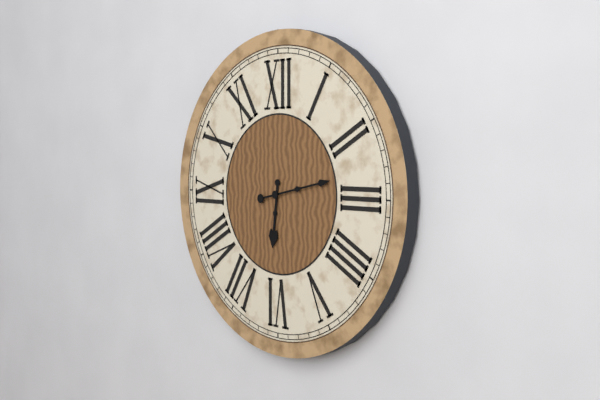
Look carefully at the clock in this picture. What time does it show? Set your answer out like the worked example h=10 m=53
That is h=6 m=13
